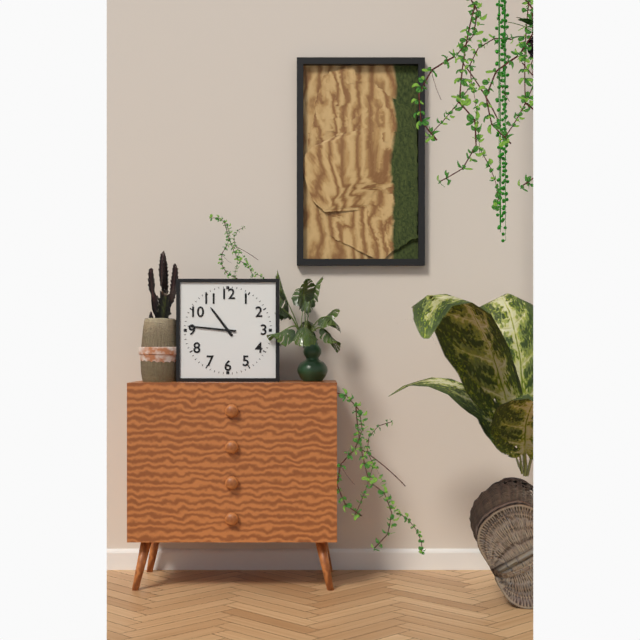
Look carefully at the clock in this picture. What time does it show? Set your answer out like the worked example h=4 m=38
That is h=10 m=46
